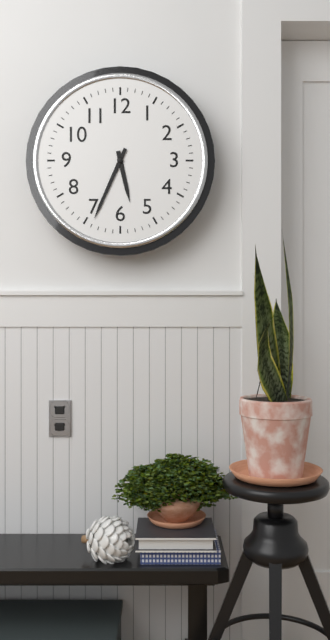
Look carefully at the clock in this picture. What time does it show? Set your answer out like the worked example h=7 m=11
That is h=5 m=34
